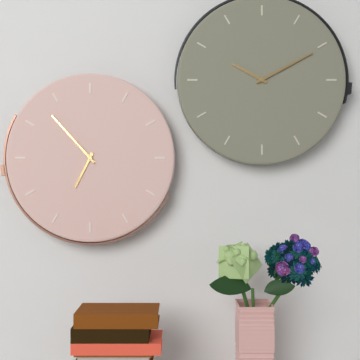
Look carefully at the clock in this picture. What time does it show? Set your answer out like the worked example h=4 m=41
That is h=6 m=53
